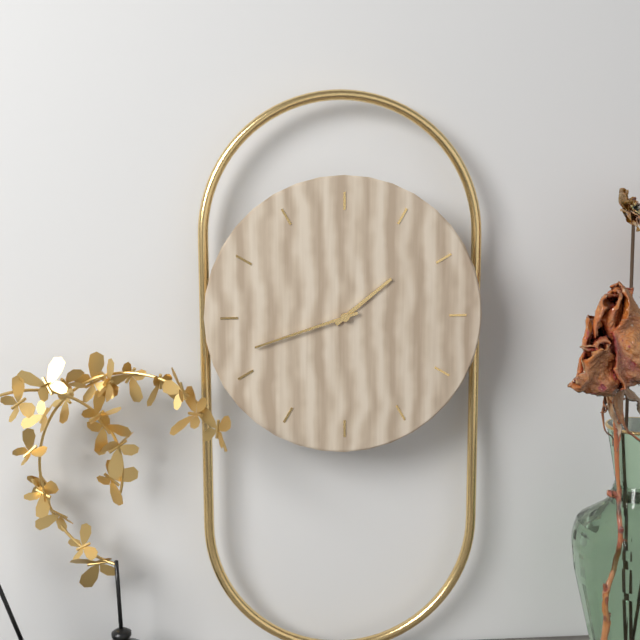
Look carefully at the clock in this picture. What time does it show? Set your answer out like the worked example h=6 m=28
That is h=1 m=42
